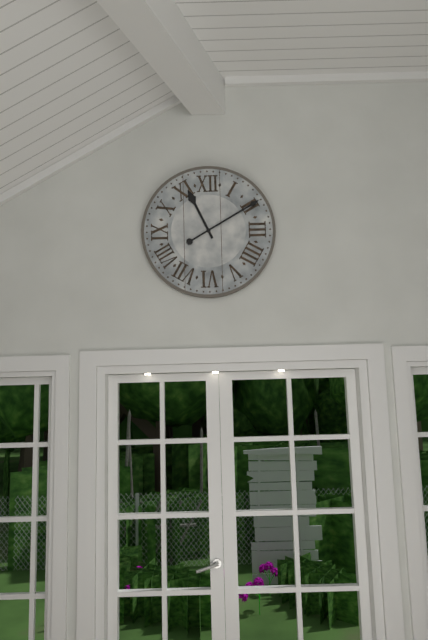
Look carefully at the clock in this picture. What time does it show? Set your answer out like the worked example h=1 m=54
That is h=11 m=10
